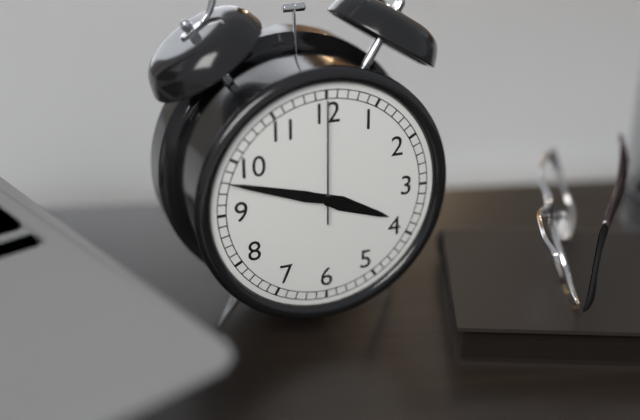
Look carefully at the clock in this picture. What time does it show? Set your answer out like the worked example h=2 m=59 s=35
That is h=3 m=48 s=0
